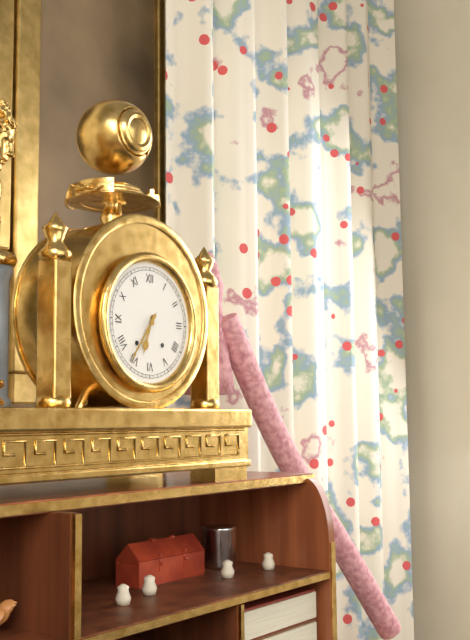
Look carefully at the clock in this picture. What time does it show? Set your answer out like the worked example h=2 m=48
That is h=6 m=36
